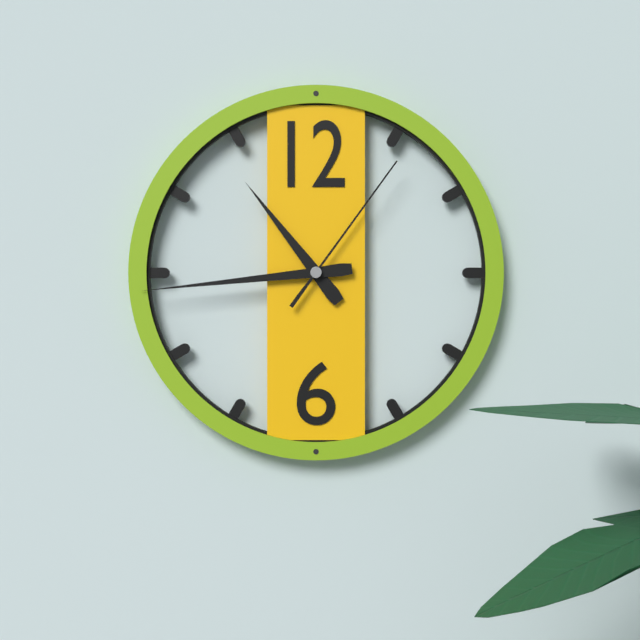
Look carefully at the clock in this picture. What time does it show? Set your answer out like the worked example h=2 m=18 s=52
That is h=10 m=44 s=6
